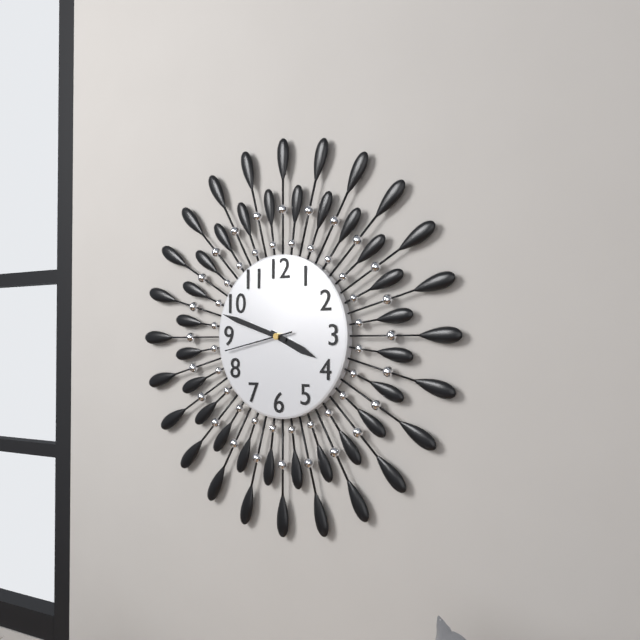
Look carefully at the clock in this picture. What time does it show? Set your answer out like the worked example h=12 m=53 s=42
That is h=3 m=48 s=43
